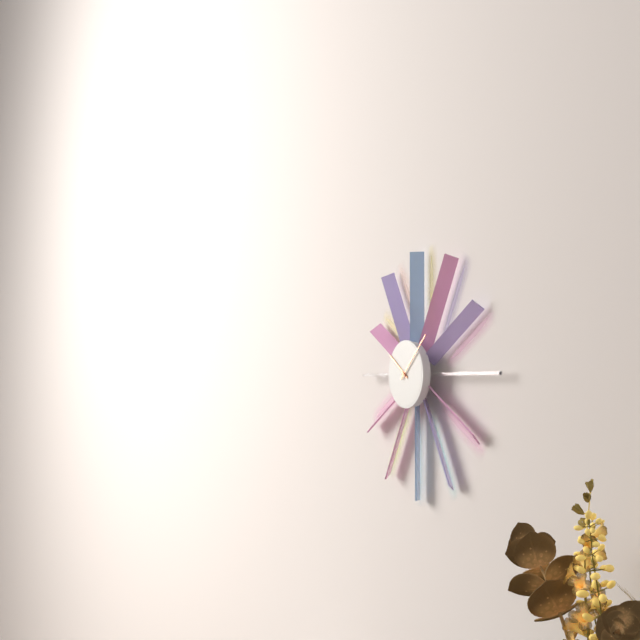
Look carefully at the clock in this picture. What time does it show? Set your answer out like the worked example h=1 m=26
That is h=10 m=8
